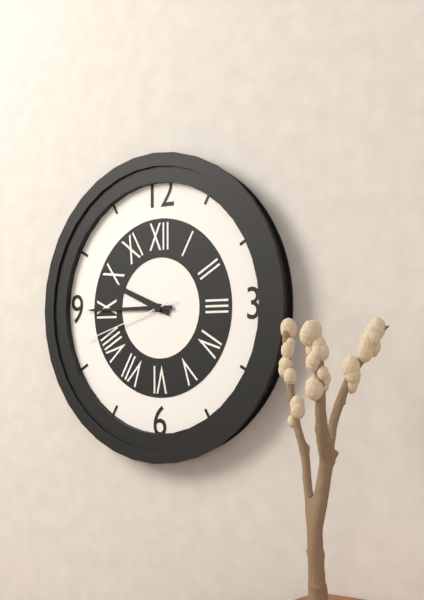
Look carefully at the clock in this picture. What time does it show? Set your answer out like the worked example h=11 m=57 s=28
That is h=9 m=45 s=42
